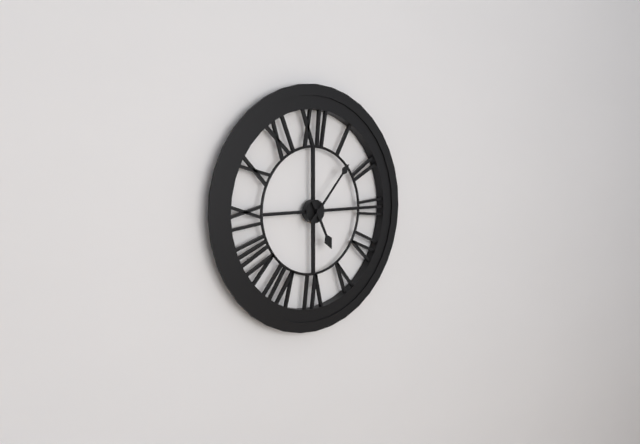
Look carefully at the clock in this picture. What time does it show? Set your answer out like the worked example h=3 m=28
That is h=5 m=7
